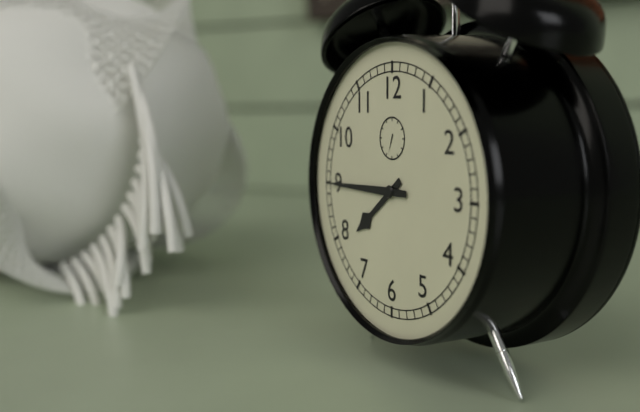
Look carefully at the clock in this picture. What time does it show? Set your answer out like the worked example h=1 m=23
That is h=7 m=45
